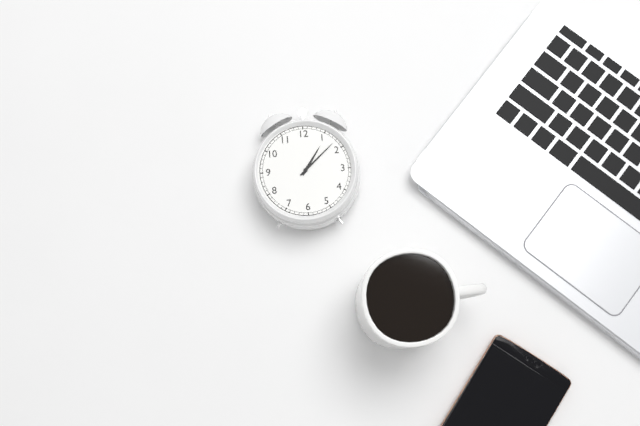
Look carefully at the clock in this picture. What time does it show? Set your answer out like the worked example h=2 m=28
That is h=1 m=8
